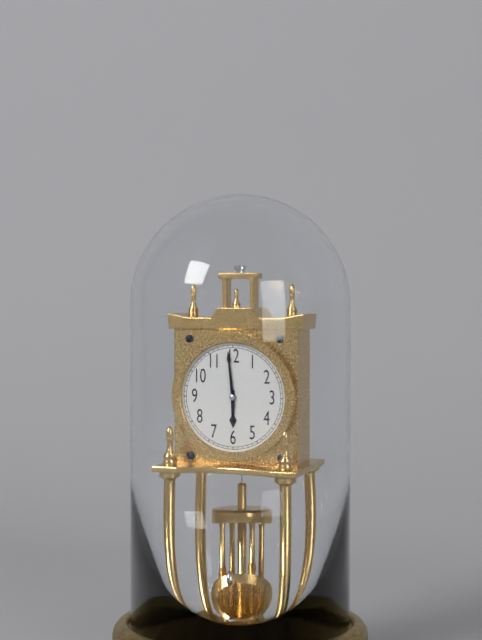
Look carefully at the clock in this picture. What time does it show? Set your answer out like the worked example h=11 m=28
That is h=5 m=59
